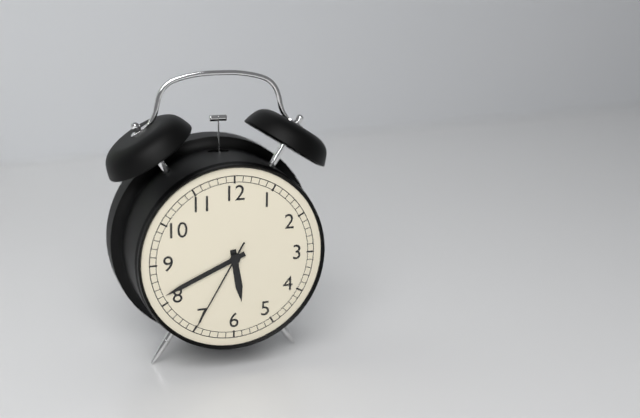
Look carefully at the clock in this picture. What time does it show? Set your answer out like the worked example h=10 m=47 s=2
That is h=5 m=41 s=35
